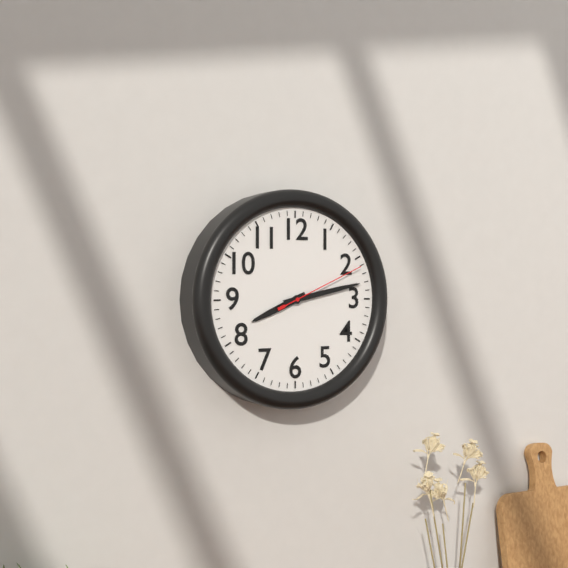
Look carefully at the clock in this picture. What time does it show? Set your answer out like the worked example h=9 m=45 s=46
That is h=8 m=13 s=11
